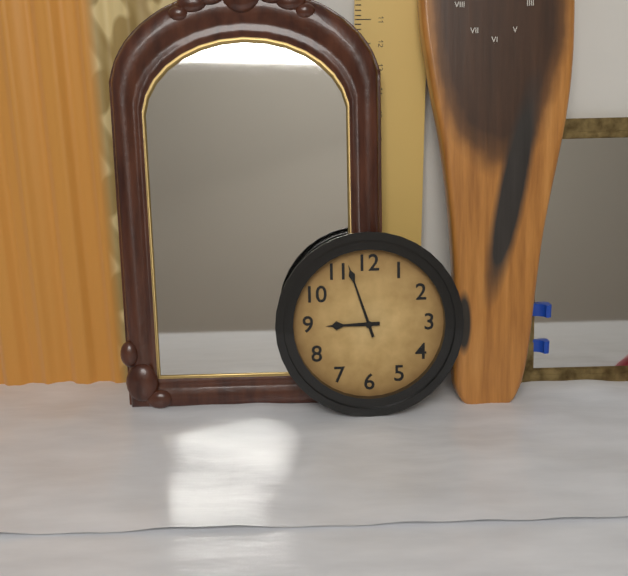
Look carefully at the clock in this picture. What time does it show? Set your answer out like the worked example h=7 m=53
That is h=8 m=57
